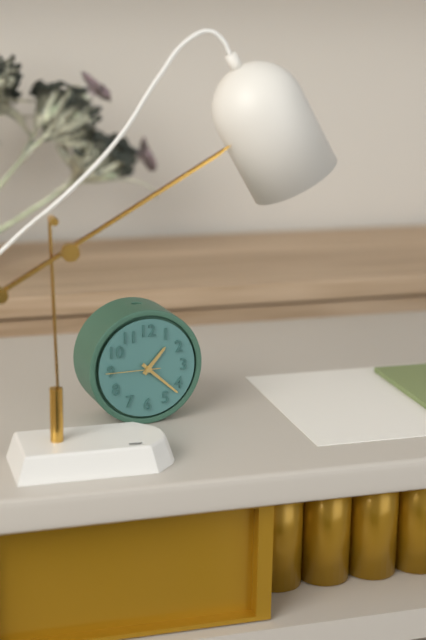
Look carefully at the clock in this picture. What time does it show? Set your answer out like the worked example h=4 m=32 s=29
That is h=1 m=22 s=45
